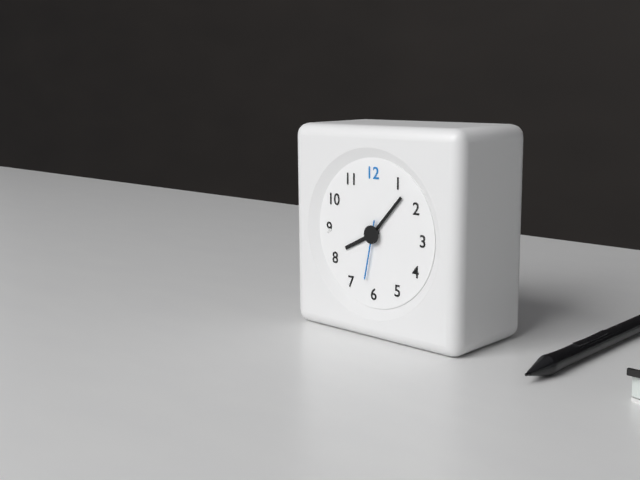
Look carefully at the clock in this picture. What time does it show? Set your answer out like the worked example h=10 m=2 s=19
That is h=8 m=7 s=32
